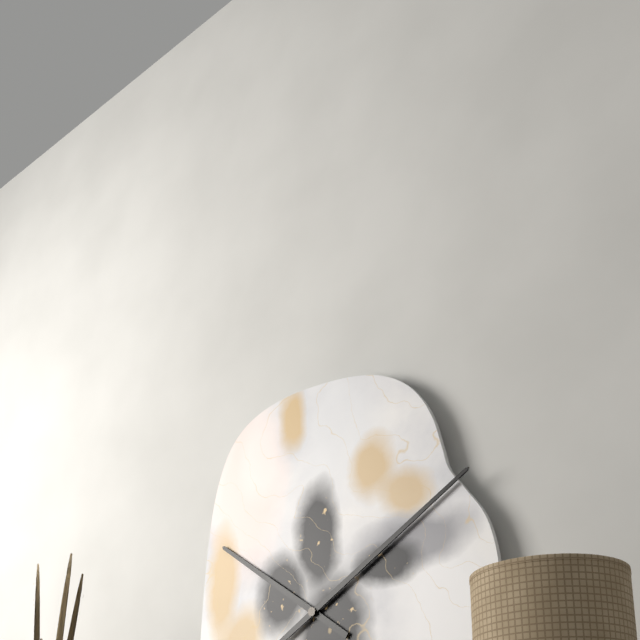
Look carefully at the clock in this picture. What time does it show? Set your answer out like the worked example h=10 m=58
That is h=10 m=10
